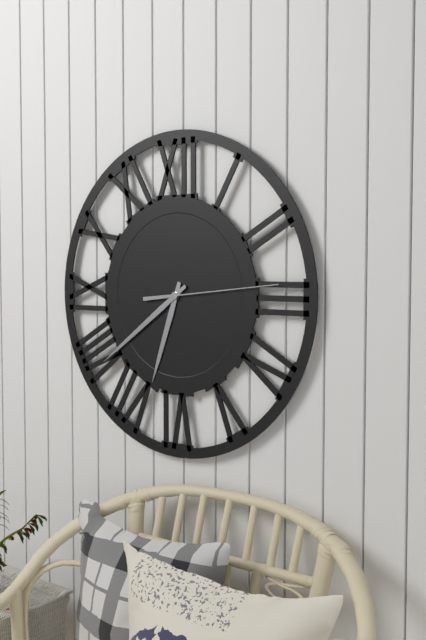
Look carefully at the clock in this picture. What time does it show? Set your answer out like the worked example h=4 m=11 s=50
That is h=6 m=39 s=14
